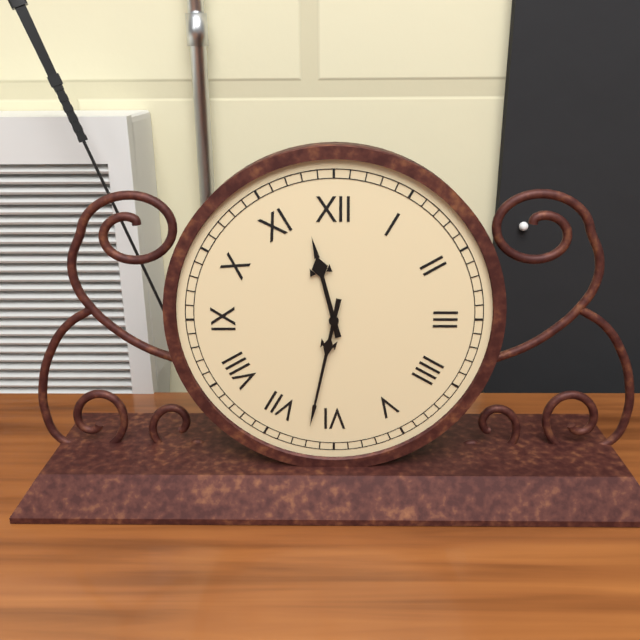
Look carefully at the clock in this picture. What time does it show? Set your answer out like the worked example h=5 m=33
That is h=11 m=32
